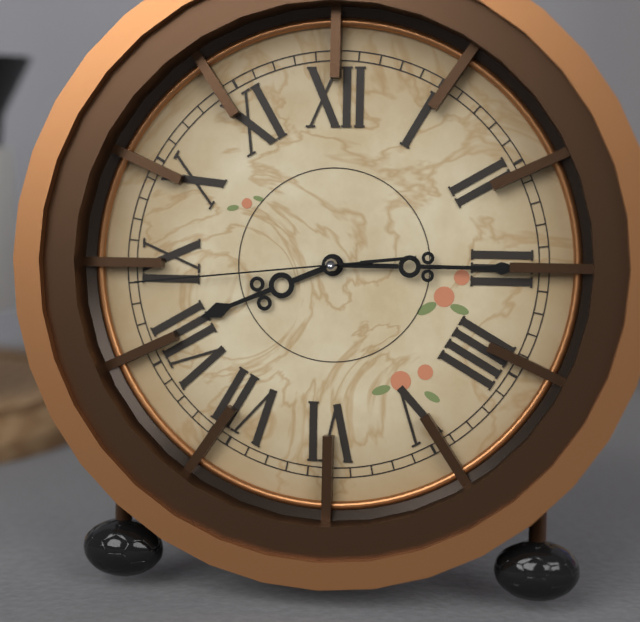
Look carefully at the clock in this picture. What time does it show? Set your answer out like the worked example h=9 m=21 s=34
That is h=8 m=15 s=44
